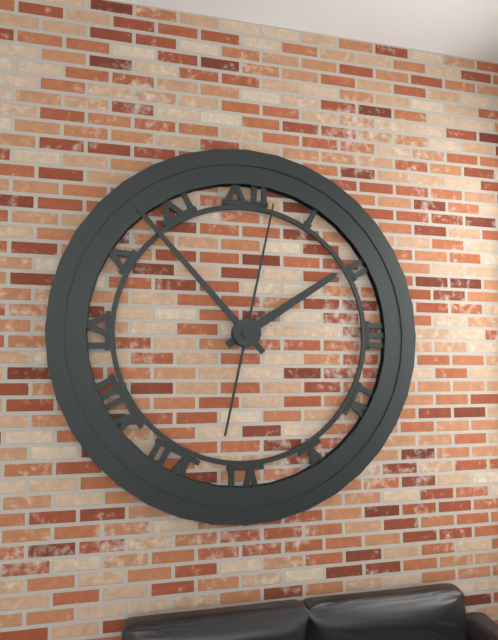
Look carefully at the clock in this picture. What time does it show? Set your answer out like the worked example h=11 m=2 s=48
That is h=1 m=53 s=2
